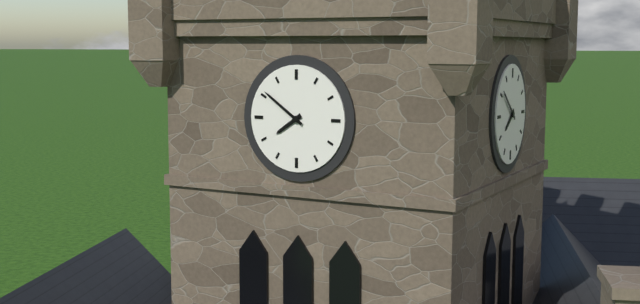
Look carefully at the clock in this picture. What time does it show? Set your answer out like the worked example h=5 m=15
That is h=7 m=51
